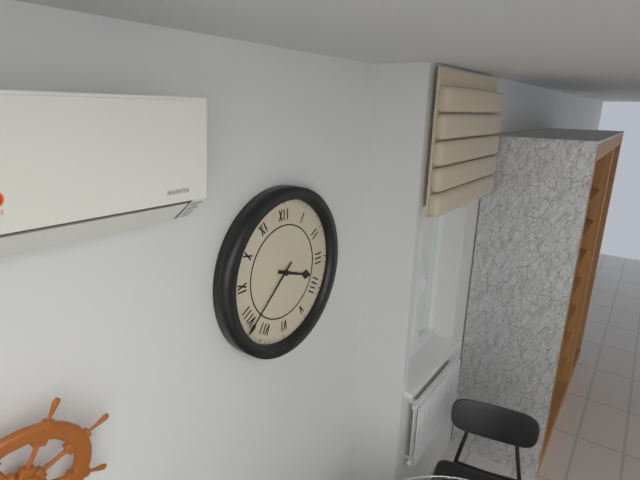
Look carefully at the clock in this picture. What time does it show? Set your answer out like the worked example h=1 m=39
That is h=3 m=38
